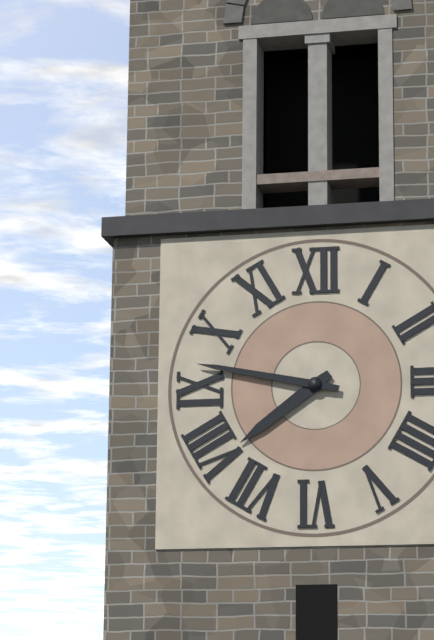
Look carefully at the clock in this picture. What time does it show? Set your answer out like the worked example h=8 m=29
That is h=7 m=47
